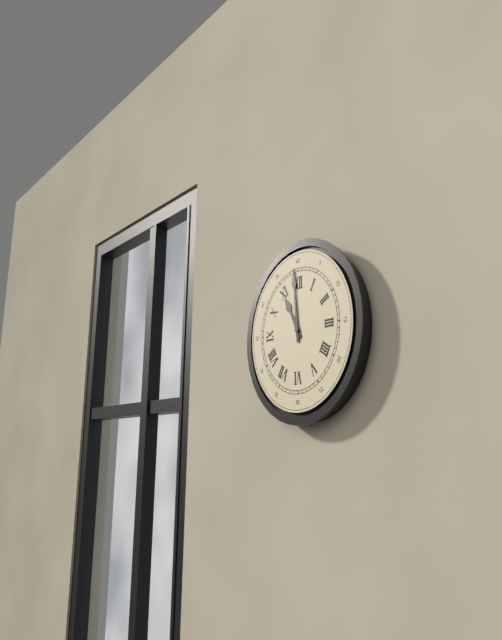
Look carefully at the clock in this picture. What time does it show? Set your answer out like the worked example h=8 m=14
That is h=10 m=59
